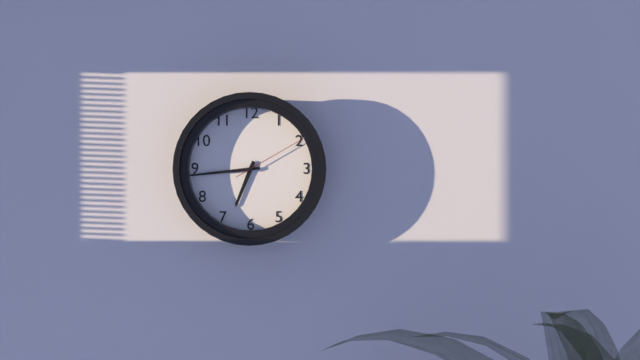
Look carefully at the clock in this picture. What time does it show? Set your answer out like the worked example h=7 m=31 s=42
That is h=6 m=44 s=10
